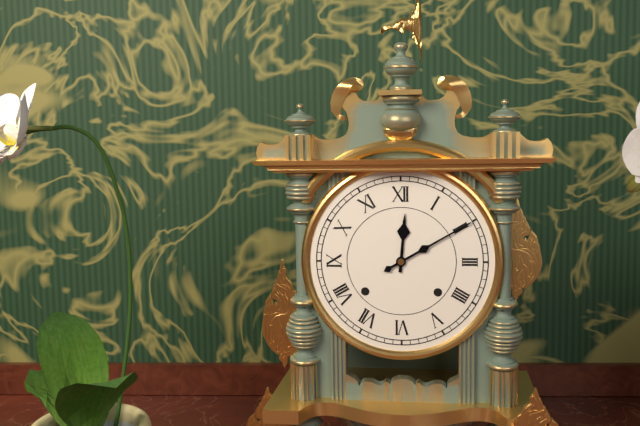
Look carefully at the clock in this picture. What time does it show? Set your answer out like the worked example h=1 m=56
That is h=12 m=10
